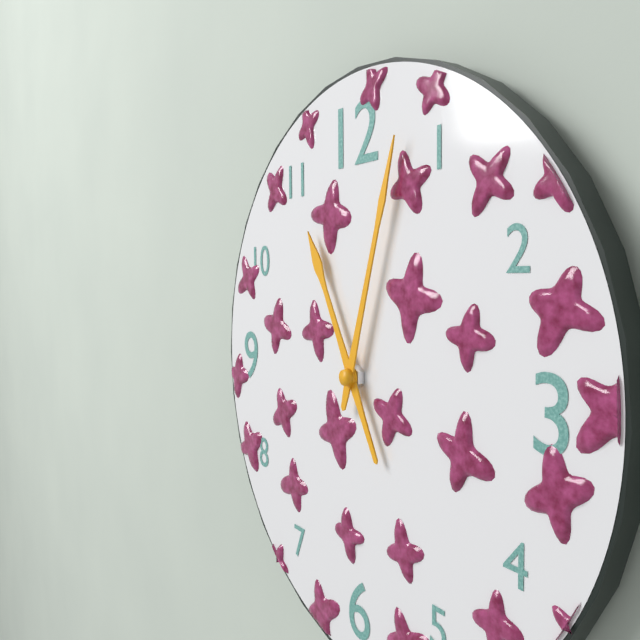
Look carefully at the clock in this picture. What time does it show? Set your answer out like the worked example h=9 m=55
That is h=11 m=3
